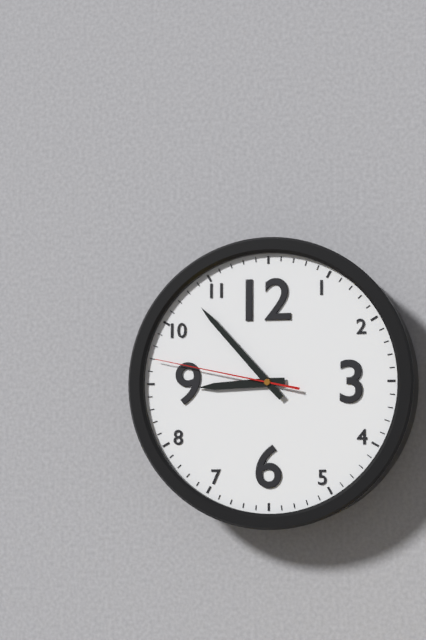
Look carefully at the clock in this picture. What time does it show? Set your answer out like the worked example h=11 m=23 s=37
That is h=8 m=53 s=47
